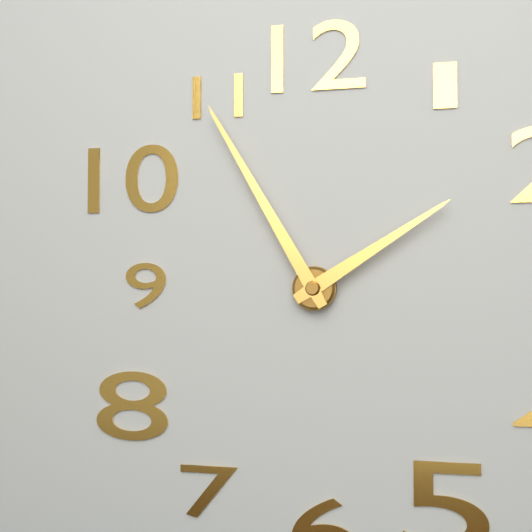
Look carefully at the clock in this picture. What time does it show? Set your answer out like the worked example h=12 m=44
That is h=1 m=55
